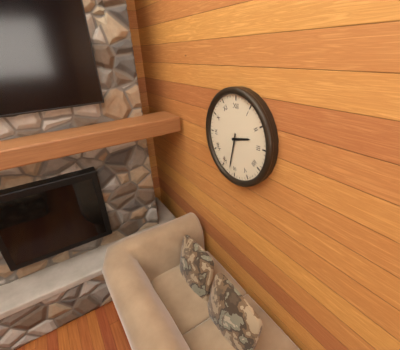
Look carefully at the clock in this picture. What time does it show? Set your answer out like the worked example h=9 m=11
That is h=2 m=32
